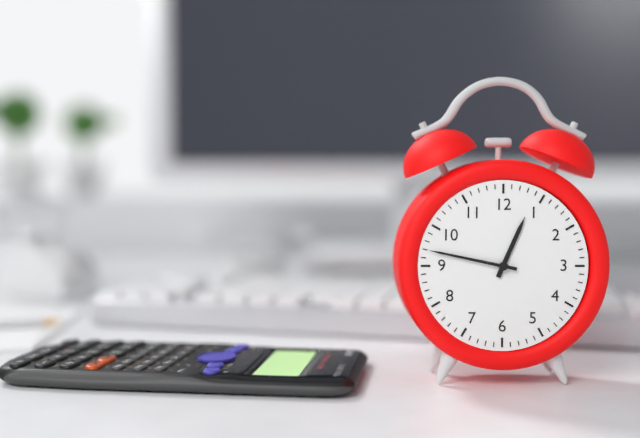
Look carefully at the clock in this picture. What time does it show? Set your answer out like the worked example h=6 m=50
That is h=12 m=47
